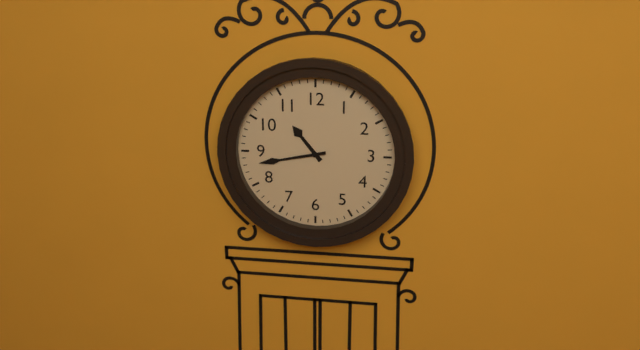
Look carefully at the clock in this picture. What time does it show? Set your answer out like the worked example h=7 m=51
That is h=10 m=43
